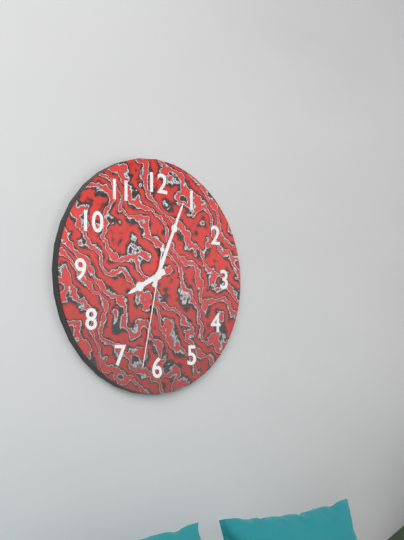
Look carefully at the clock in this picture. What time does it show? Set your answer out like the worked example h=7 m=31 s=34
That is h=8 m=4 s=32
